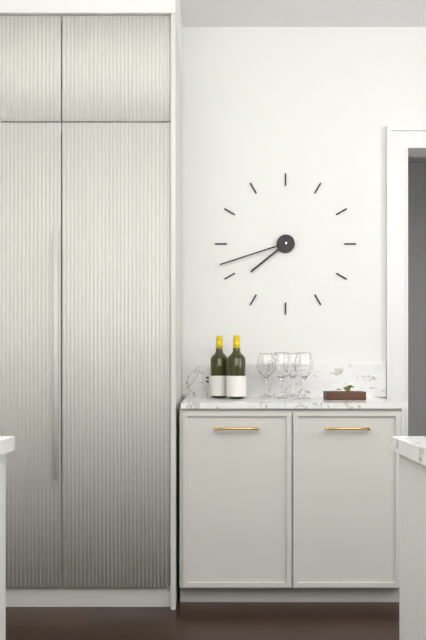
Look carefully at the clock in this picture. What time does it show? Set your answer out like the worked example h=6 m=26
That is h=7 m=42
